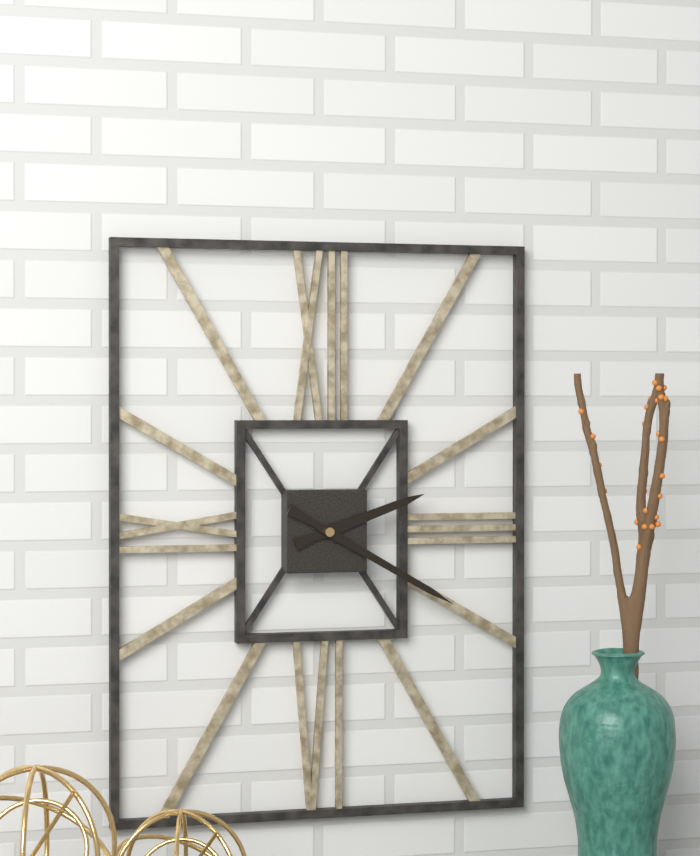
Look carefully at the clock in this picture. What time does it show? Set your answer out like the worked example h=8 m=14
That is h=2 m=20
